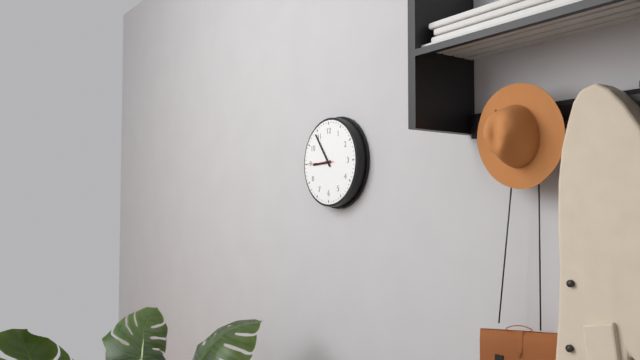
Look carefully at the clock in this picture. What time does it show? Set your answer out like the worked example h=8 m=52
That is h=8 m=54
